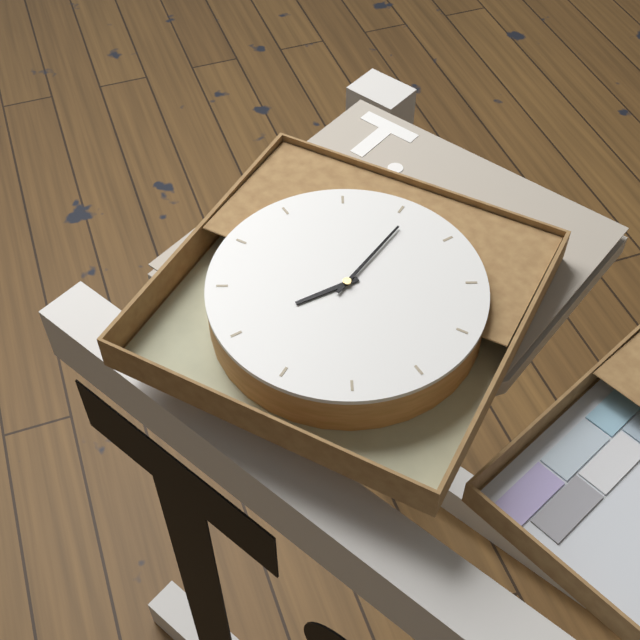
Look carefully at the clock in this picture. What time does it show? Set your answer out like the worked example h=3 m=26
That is h=8 m=6
